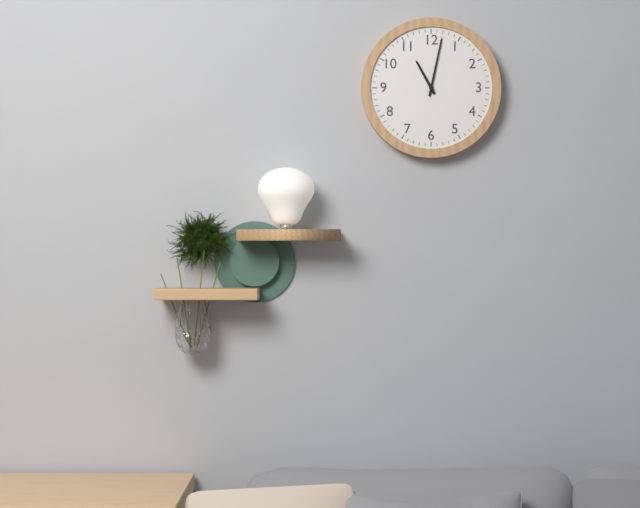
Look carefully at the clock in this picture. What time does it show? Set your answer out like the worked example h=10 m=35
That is h=11 m=2
